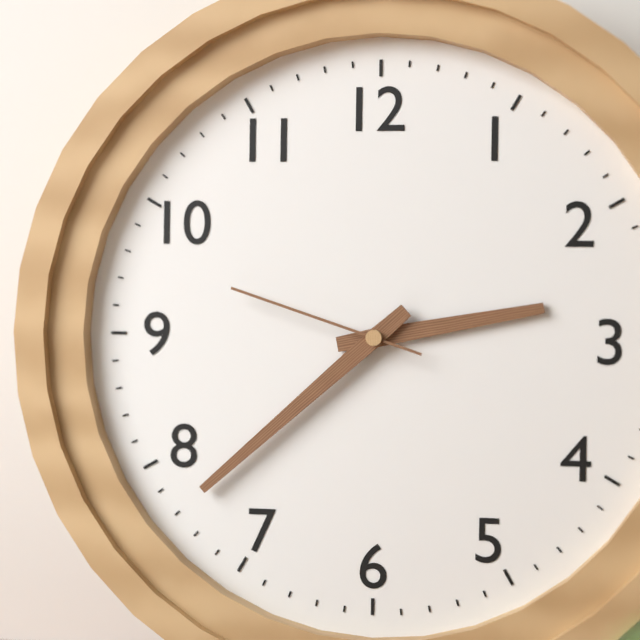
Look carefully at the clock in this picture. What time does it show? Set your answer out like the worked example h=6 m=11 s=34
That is h=2 m=38 s=48
